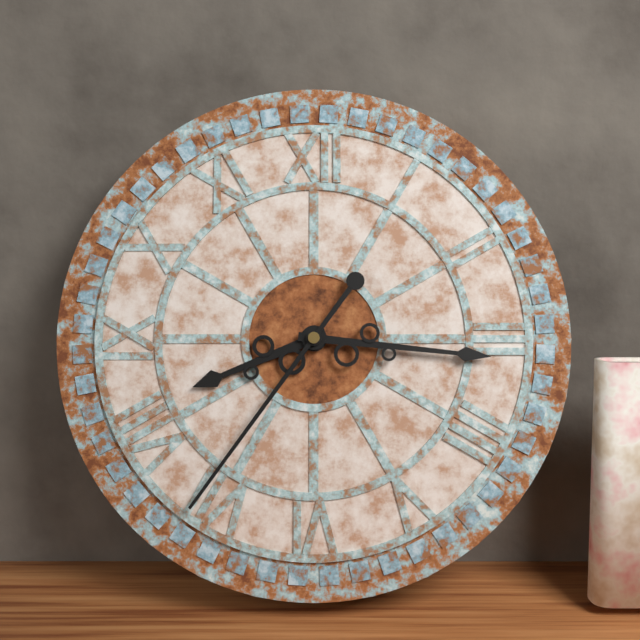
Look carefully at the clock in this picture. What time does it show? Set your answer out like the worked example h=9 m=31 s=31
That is h=8 m=16 s=36
